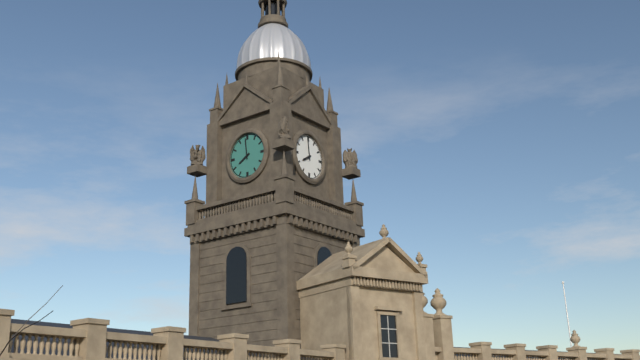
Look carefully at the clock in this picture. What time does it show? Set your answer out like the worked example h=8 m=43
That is h=7 m=59
